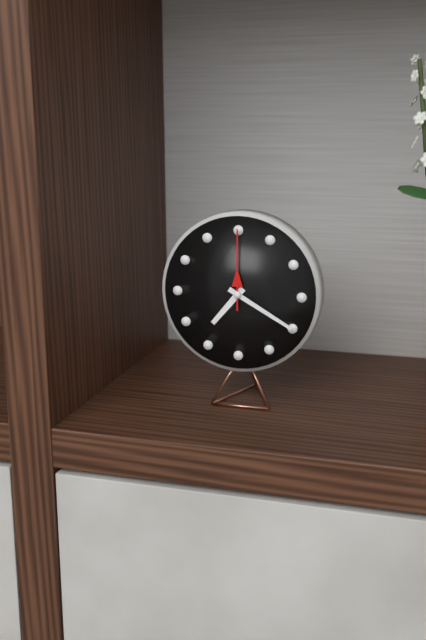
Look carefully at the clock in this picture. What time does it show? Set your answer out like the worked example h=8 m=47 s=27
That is h=7 m=20 s=0
